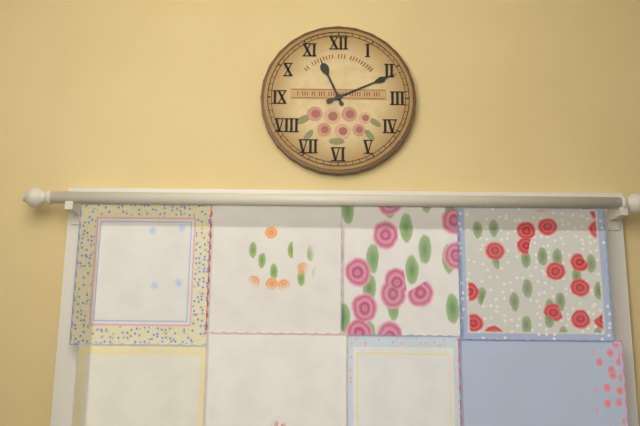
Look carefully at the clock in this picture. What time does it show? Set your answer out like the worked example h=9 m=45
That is h=11 m=11
